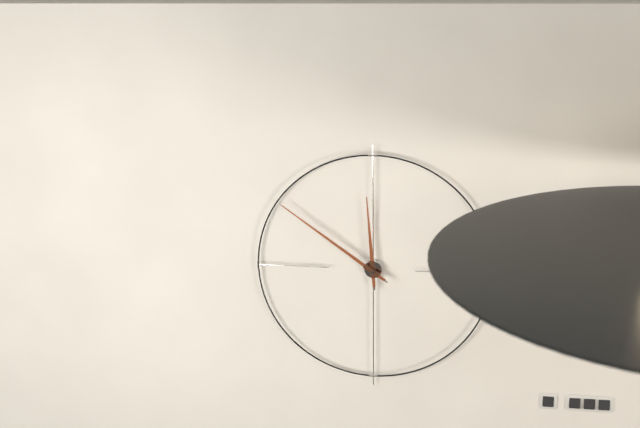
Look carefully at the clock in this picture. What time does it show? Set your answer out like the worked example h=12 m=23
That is h=11 m=51
